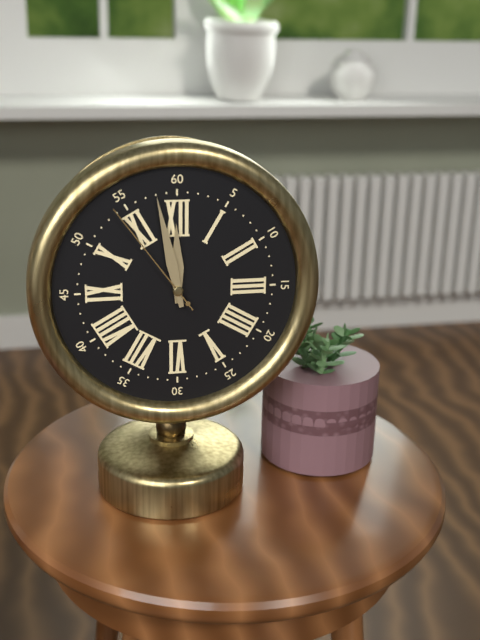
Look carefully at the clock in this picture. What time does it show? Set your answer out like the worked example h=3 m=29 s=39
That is h=11 m=58 s=54
